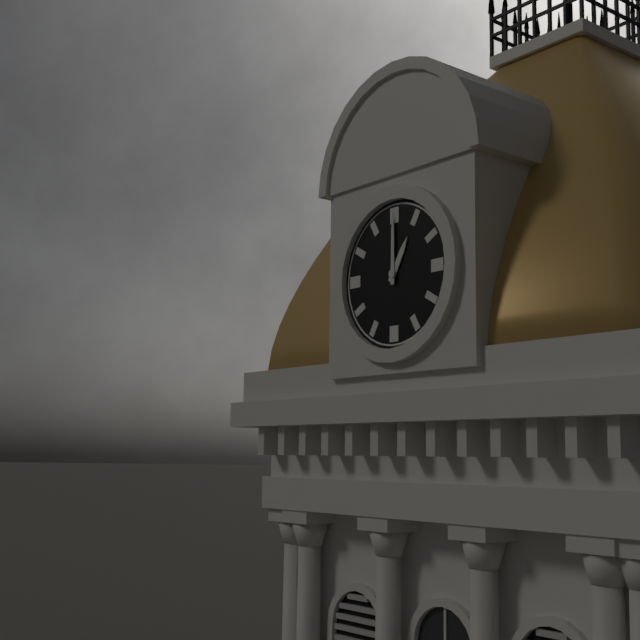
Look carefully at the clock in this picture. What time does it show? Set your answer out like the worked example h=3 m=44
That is h=1 m=0
